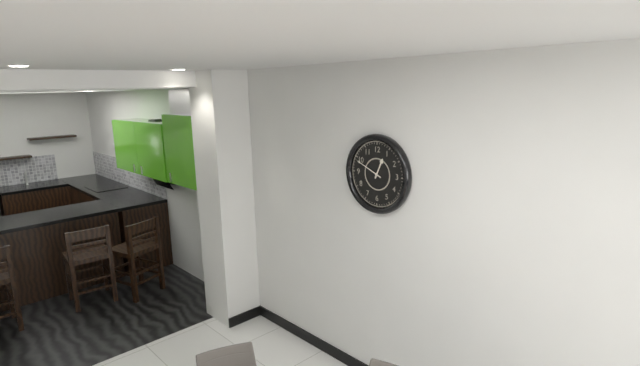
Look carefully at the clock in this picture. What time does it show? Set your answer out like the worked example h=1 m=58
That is h=12 m=49
